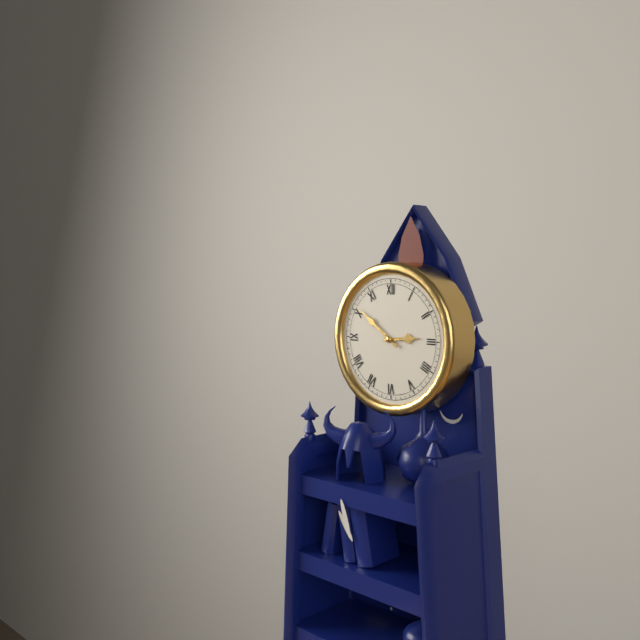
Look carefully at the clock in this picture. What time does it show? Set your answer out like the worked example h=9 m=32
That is h=2 m=51
